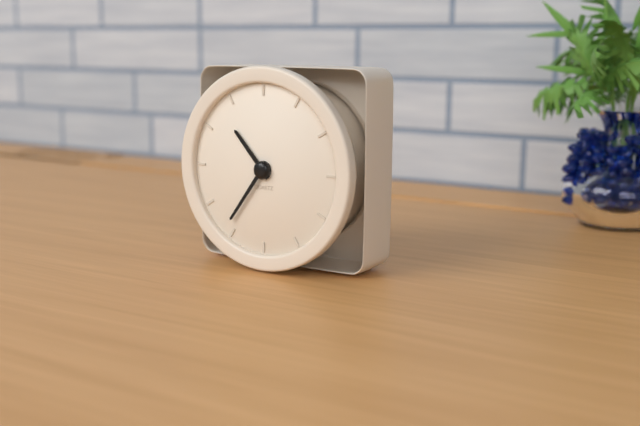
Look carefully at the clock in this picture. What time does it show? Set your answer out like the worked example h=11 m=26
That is h=10 m=36
